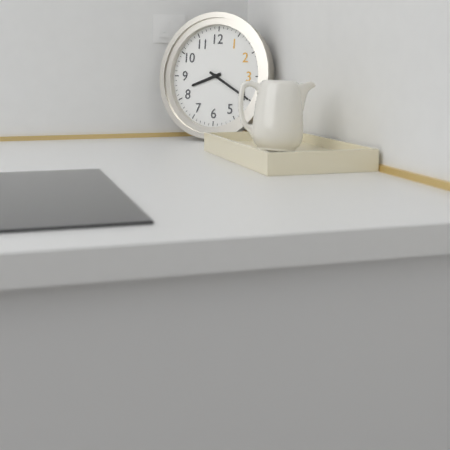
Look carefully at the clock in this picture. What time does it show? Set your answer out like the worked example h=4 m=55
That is h=8 m=20
